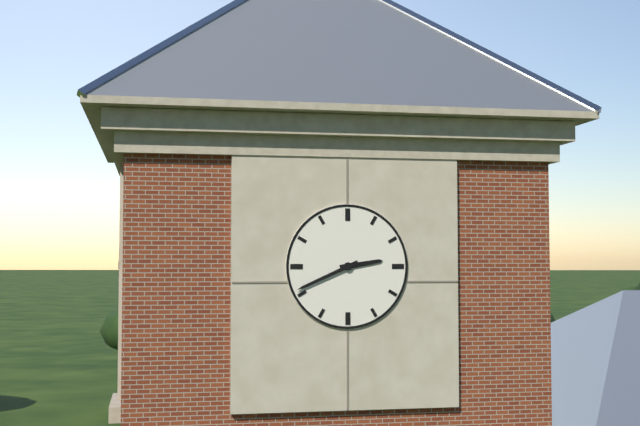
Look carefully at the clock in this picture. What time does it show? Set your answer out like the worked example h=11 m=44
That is h=2 m=41
